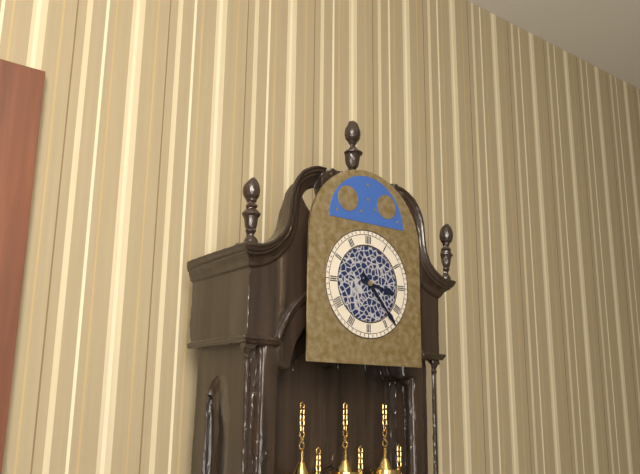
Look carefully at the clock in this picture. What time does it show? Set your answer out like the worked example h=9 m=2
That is h=3 m=23
